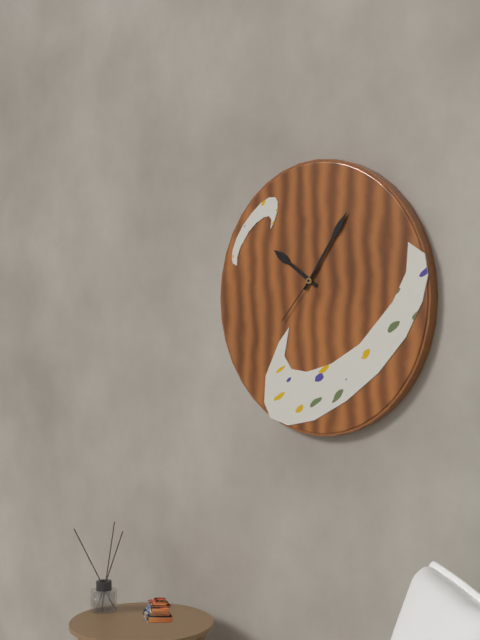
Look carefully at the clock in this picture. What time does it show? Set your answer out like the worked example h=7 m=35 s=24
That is h=10 m=6 s=37
